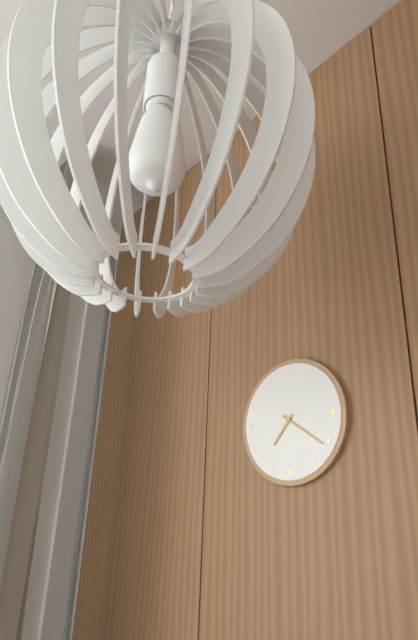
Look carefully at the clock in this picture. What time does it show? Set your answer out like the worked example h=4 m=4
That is h=7 m=21
